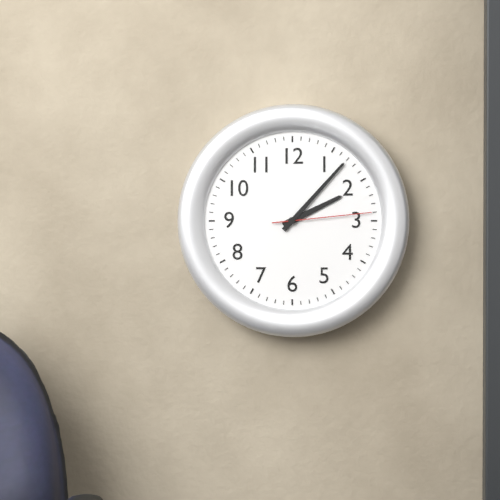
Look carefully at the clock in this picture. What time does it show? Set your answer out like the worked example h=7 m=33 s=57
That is h=2 m=7 s=14
